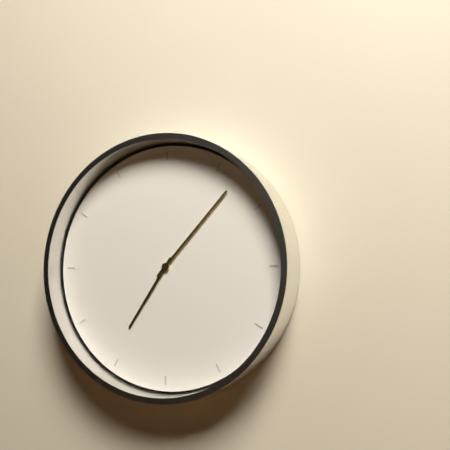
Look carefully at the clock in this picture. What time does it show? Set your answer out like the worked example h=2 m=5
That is h=7 m=7
